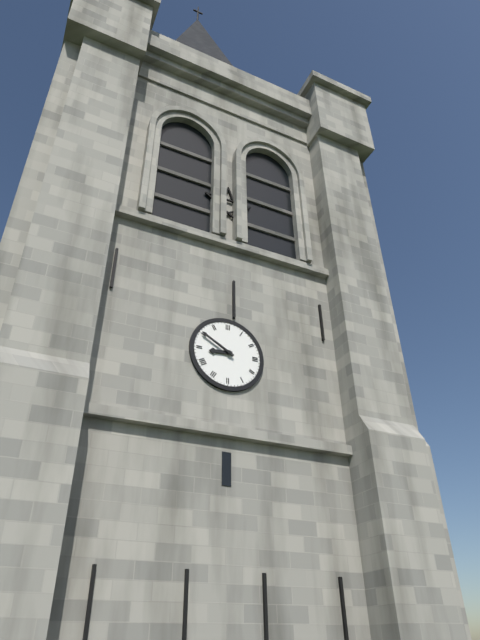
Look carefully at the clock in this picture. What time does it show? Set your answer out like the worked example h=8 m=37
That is h=8 m=50
